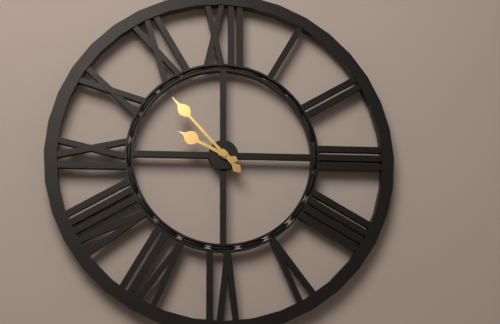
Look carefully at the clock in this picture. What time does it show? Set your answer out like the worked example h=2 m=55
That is h=9 m=53
